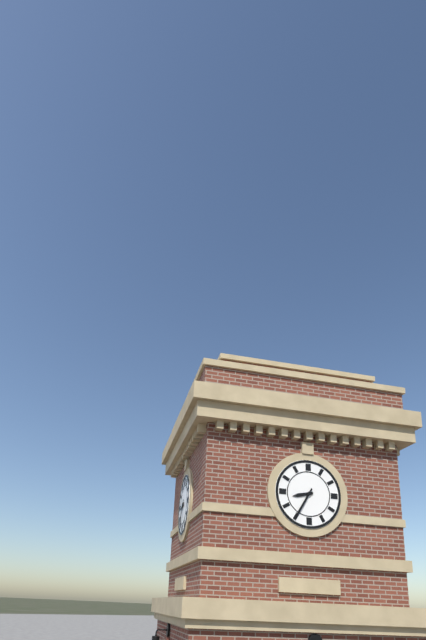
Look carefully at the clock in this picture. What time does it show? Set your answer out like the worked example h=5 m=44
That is h=8 m=35
